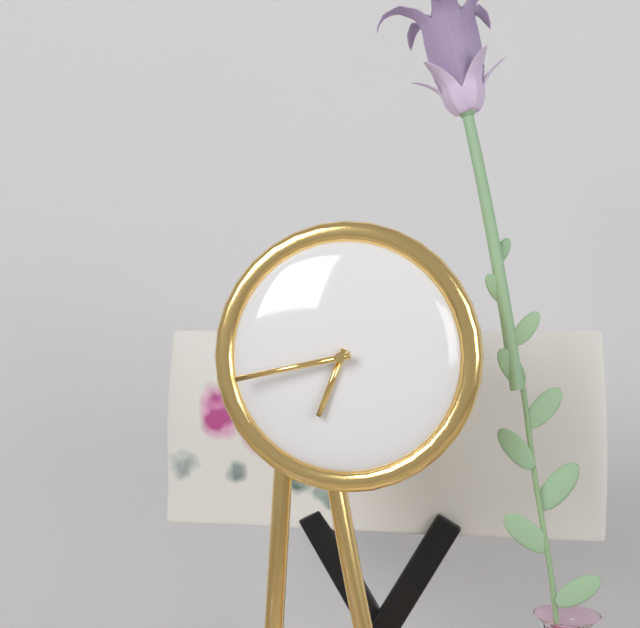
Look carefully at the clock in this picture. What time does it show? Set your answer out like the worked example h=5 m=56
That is h=6 m=43
